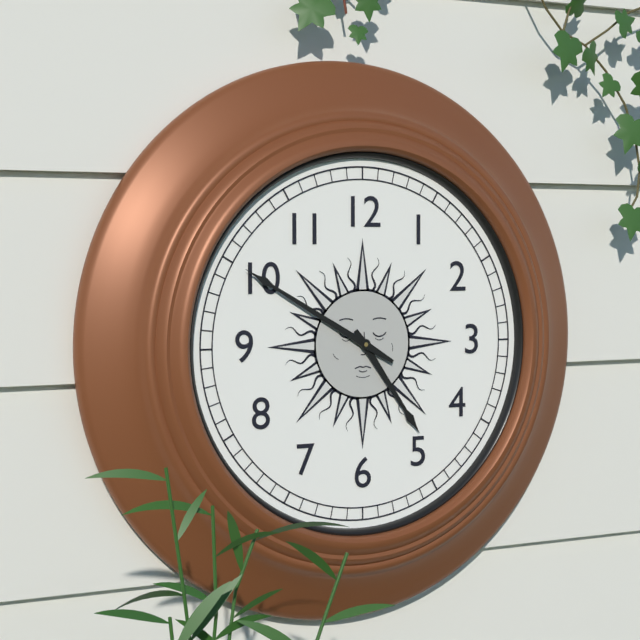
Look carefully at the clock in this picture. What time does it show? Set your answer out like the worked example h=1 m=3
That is h=4 m=50
